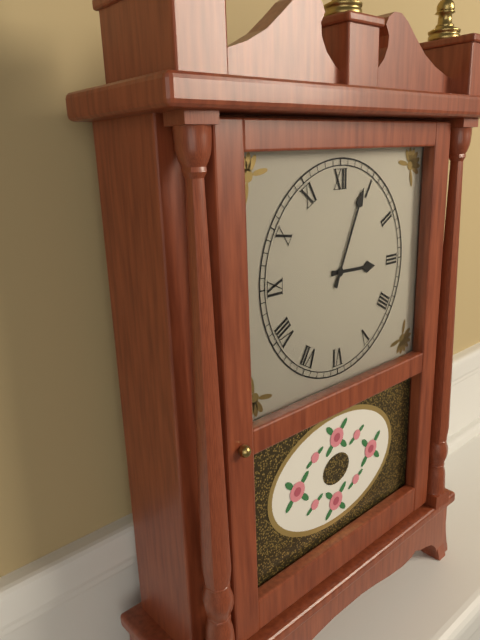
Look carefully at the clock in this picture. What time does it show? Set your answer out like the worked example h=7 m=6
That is h=3 m=4
